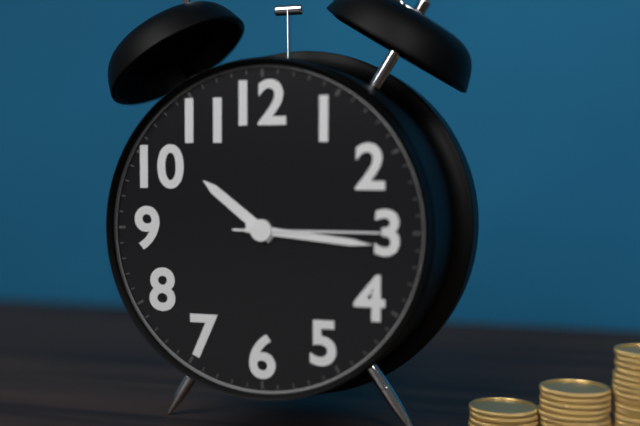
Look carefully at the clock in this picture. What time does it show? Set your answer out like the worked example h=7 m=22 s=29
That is h=10 m=16 s=15
